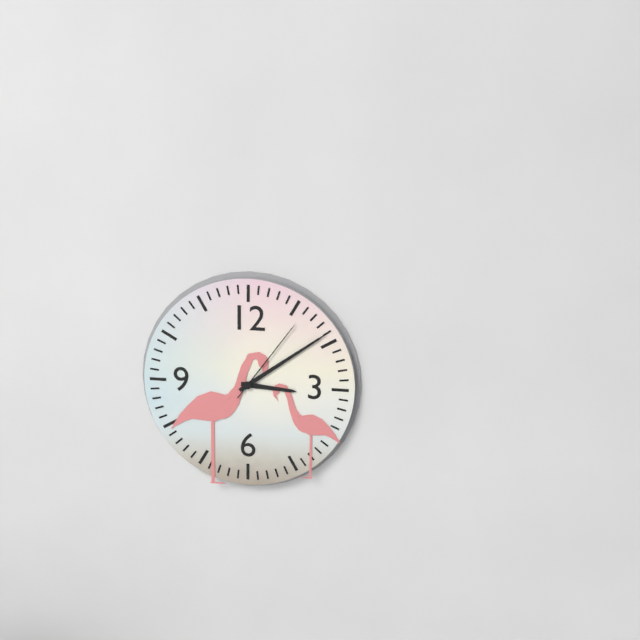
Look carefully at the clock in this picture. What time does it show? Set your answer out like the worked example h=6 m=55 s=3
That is h=3 m=9 s=6
